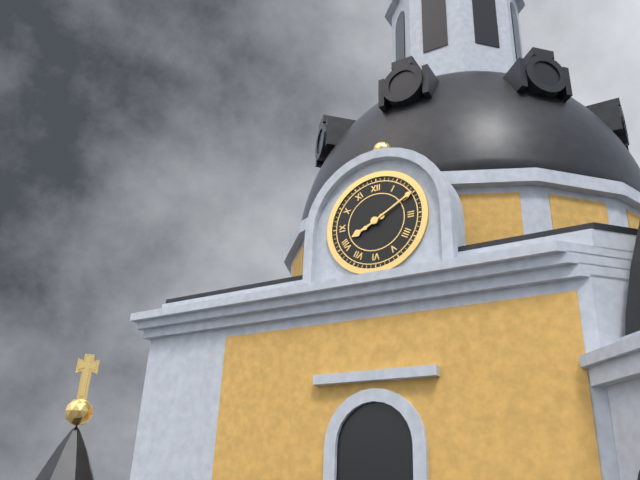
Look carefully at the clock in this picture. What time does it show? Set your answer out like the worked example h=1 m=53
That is h=8 m=10
